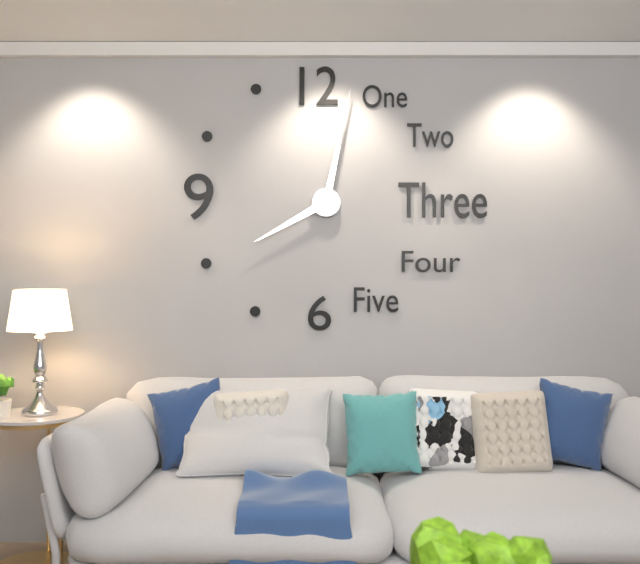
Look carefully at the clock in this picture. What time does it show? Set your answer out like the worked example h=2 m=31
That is h=8 m=2
